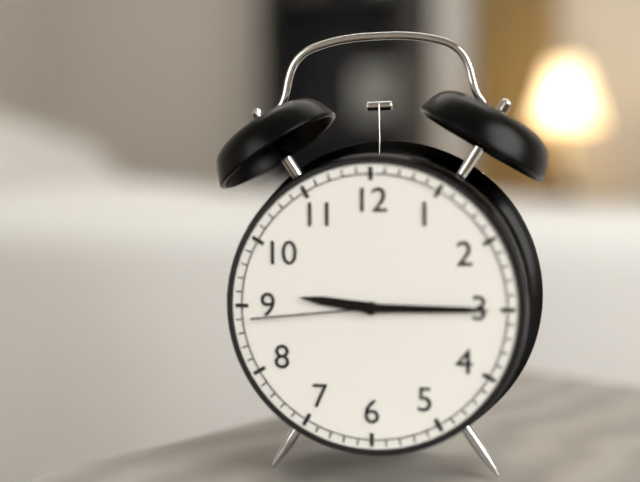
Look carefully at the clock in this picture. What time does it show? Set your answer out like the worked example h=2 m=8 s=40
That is h=9 m=15 s=44
